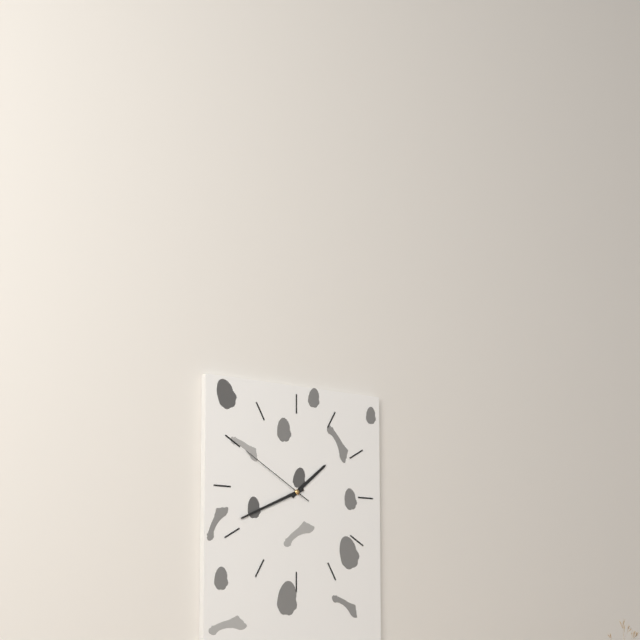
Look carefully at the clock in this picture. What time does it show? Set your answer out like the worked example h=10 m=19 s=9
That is h=1 m=41 s=50
